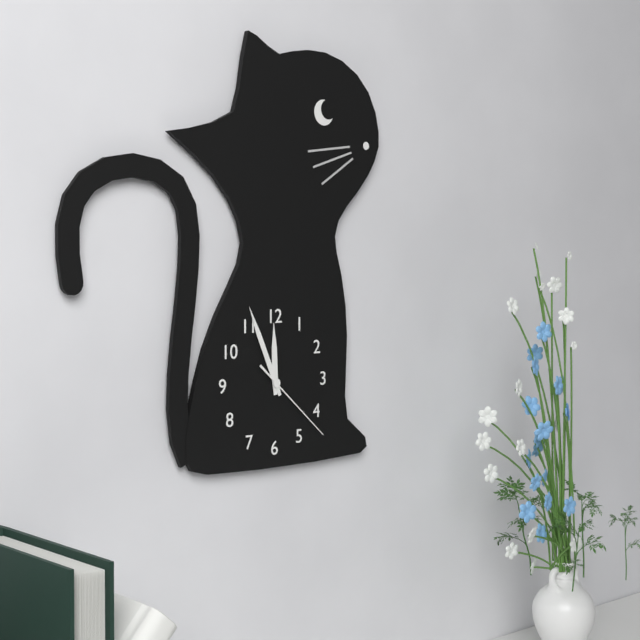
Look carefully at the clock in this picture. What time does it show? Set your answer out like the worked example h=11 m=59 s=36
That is h=11 m=56 s=22
